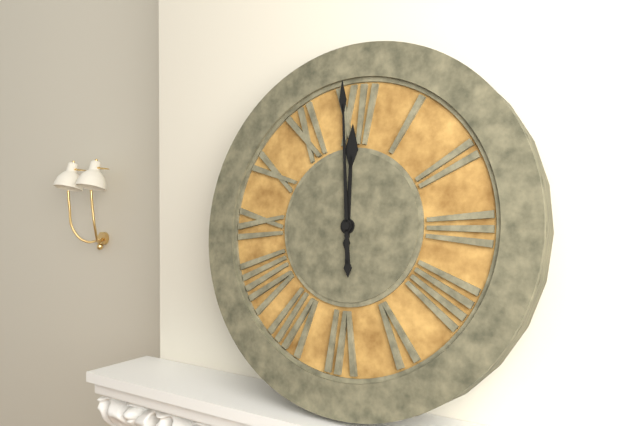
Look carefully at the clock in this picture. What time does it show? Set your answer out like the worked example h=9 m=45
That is h=11 m=59
